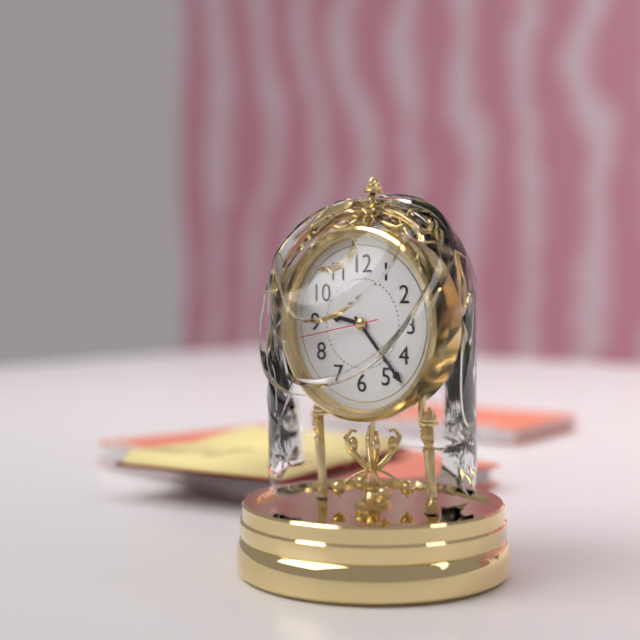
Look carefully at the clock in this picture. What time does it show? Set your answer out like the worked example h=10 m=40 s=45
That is h=9 m=23 s=43
